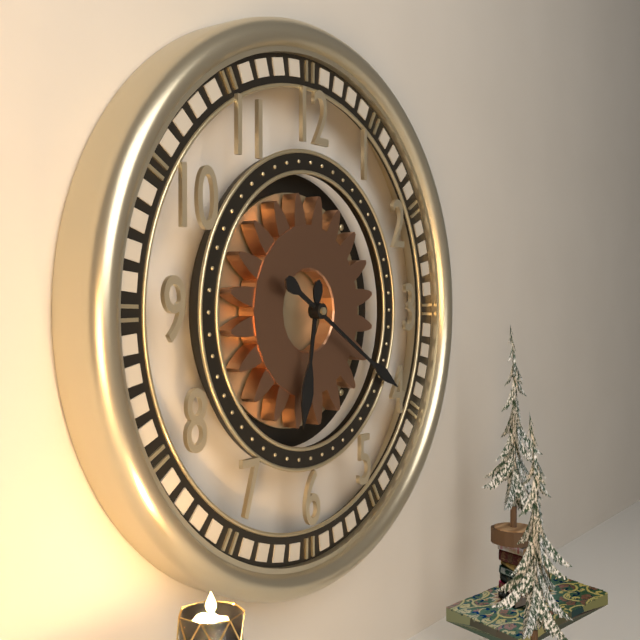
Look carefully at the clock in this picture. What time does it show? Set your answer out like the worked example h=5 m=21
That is h=6 m=20
